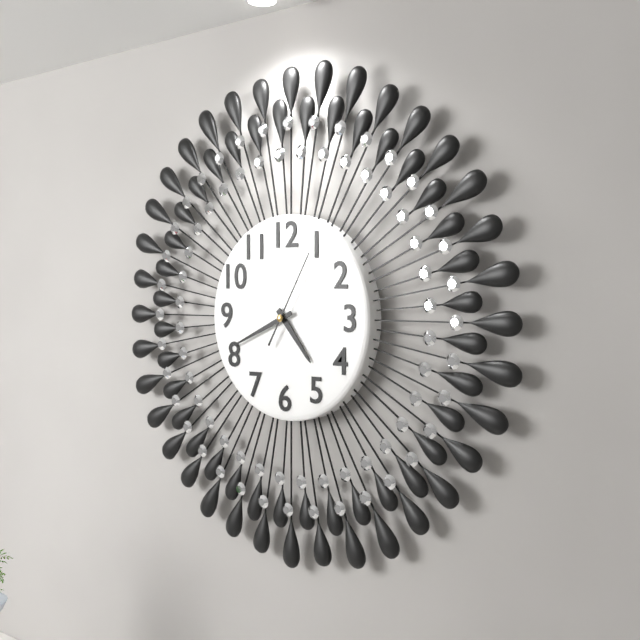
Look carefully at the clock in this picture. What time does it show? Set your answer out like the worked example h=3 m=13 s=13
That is h=4 m=41 s=5
